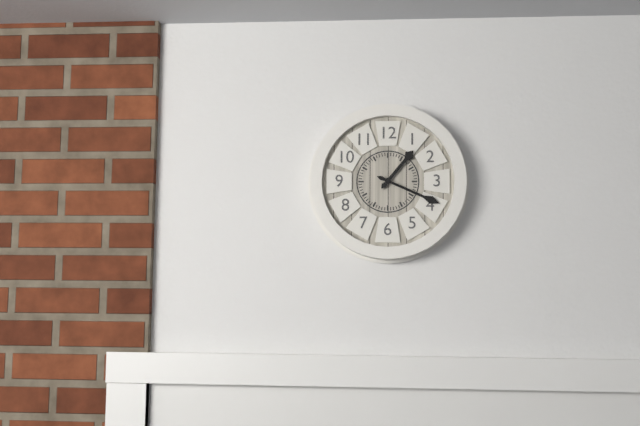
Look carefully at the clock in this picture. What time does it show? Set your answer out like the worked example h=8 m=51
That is h=1 m=19
